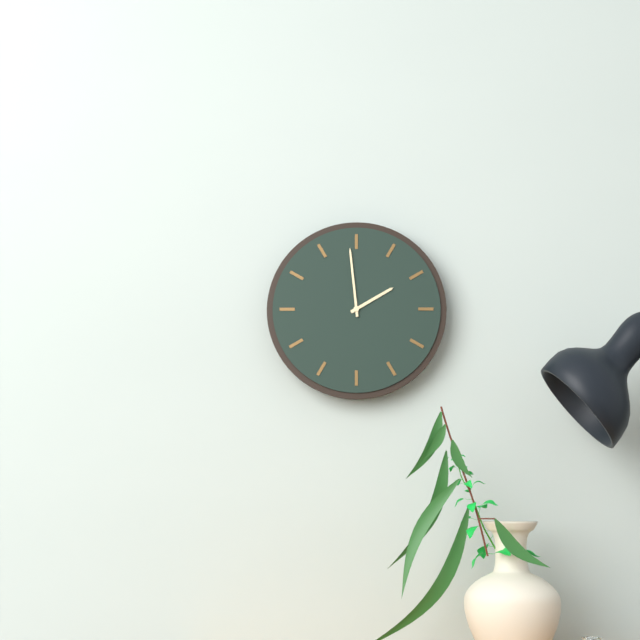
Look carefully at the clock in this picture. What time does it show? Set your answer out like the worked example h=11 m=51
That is h=1 m=59
